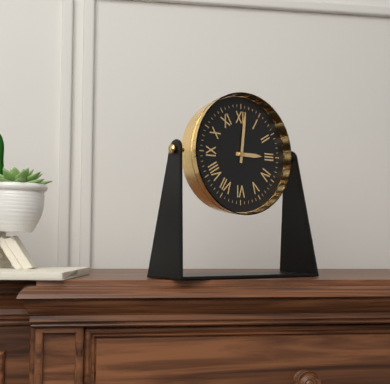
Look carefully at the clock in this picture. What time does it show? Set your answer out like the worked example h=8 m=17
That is h=3 m=1
